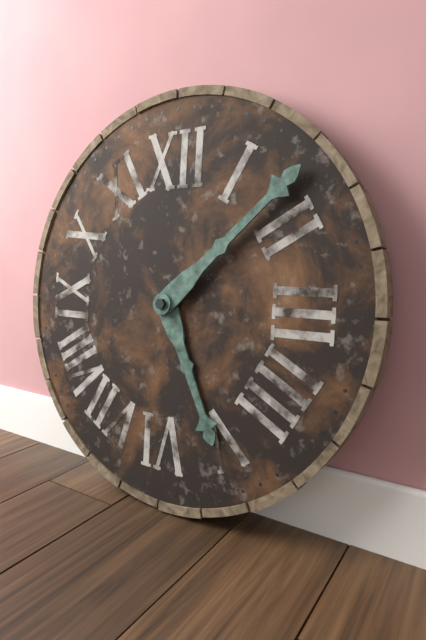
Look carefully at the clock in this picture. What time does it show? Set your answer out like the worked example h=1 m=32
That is h=5 m=8
